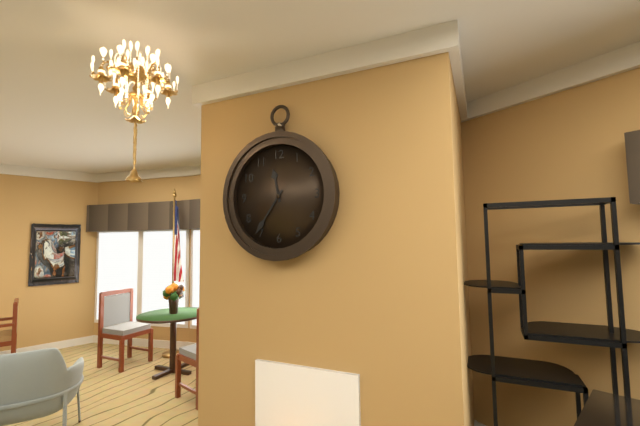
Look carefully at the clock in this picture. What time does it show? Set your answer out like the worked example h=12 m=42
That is h=11 m=36
